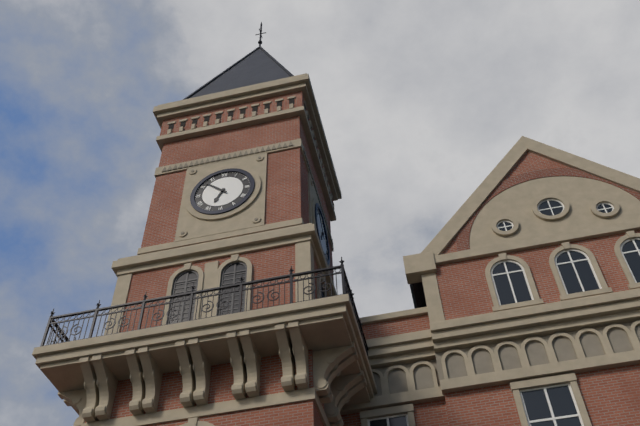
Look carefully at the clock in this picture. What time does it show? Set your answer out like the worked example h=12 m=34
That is h=6 m=52
